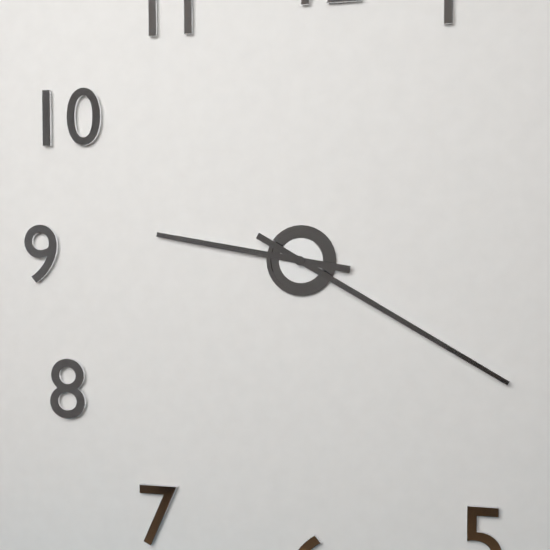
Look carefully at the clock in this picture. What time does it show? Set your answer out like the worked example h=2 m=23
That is h=9 m=20
